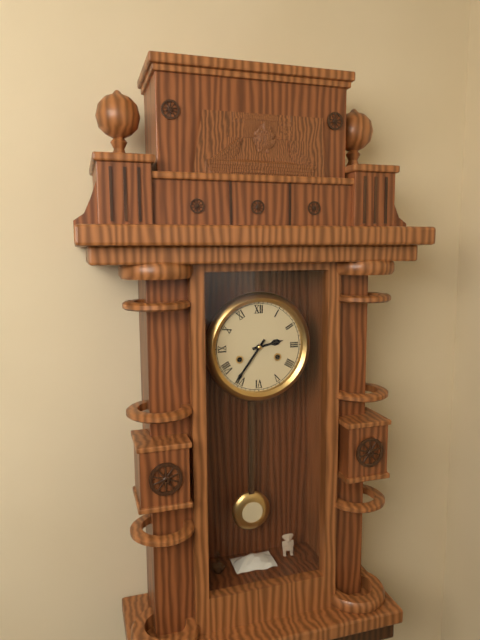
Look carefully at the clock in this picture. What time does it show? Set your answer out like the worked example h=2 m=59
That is h=2 m=36
